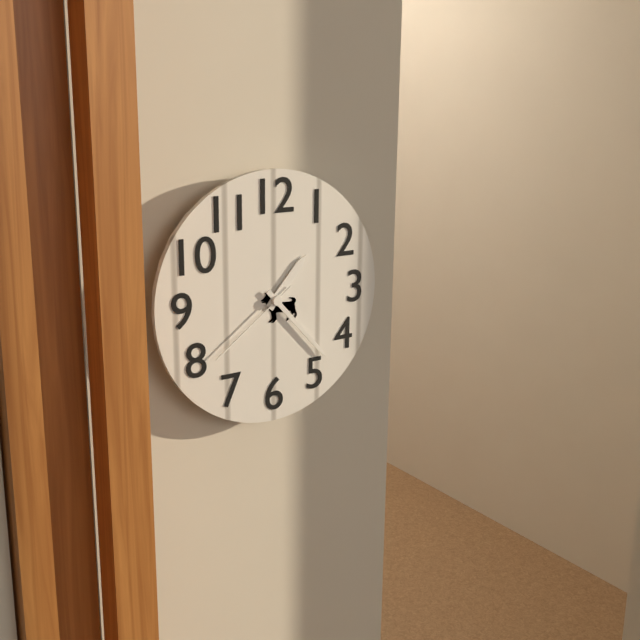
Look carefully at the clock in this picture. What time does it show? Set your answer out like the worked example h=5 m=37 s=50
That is h=1 m=23 s=39
